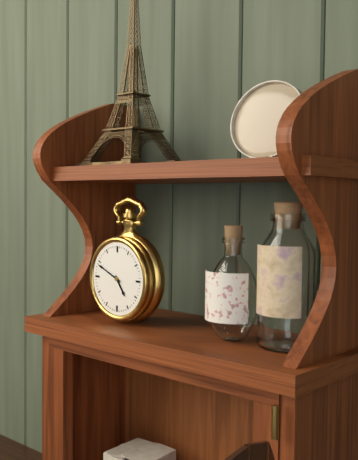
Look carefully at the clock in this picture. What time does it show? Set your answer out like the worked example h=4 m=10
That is h=4 m=49
